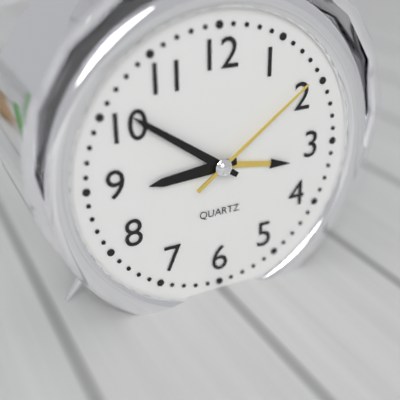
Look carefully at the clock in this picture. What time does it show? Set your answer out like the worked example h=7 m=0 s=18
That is h=8 m=51 s=9
